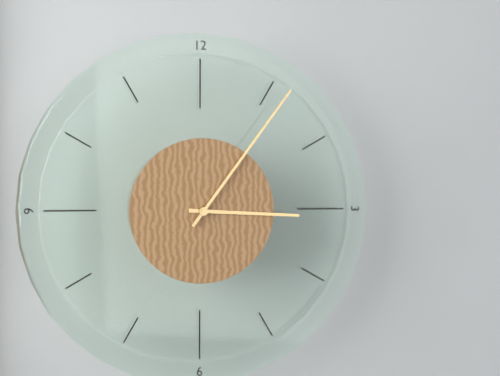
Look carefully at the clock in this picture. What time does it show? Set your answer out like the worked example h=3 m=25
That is h=3 m=6
